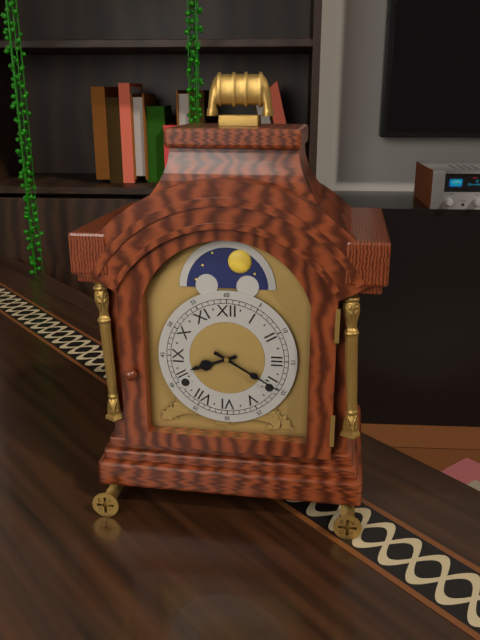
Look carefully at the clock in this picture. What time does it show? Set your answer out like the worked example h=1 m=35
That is h=8 m=20
